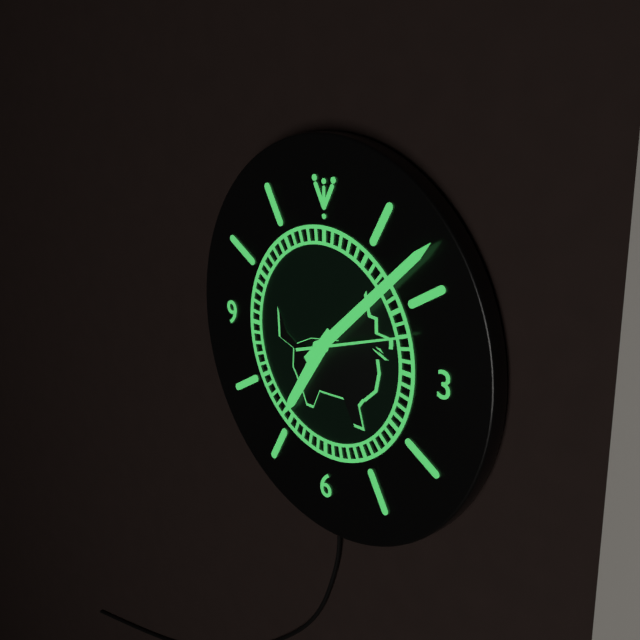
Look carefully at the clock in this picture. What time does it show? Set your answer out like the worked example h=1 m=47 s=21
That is h=7 m=8 s=12
